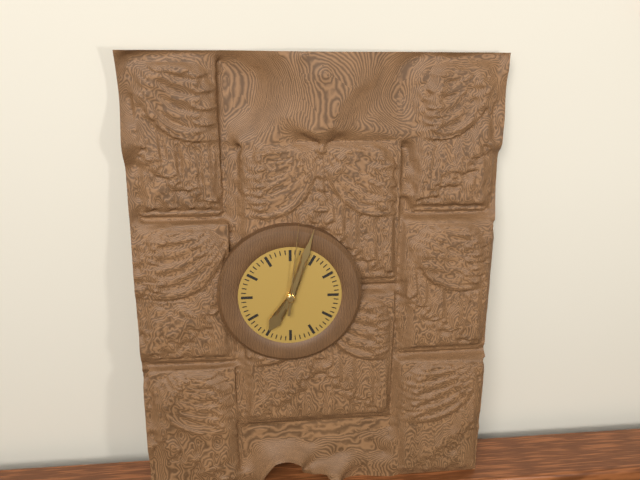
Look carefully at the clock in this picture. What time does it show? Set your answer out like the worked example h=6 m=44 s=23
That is h=7 m=3 s=1
